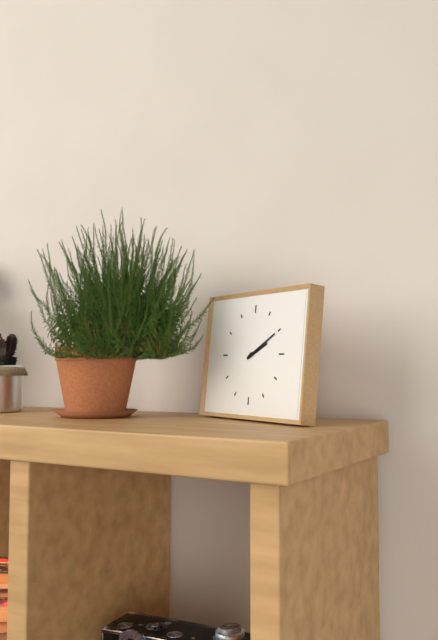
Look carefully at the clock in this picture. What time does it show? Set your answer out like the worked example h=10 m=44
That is h=2 m=10
